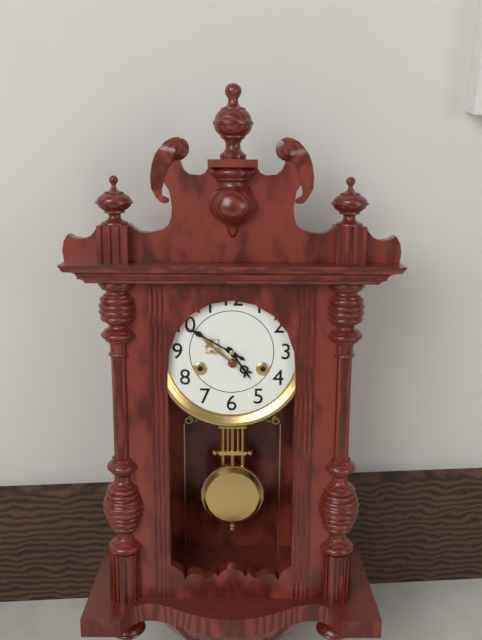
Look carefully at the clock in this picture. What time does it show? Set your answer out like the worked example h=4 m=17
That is h=4 m=50
